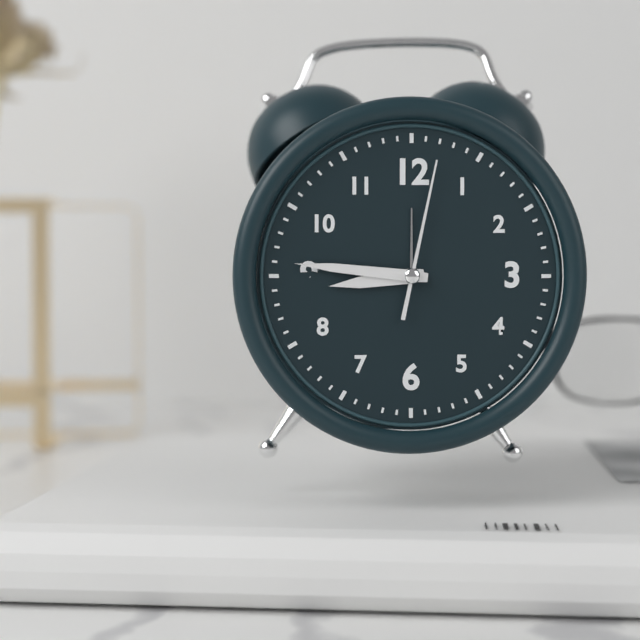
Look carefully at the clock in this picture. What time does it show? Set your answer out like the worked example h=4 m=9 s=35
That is h=8 m=46 s=2
